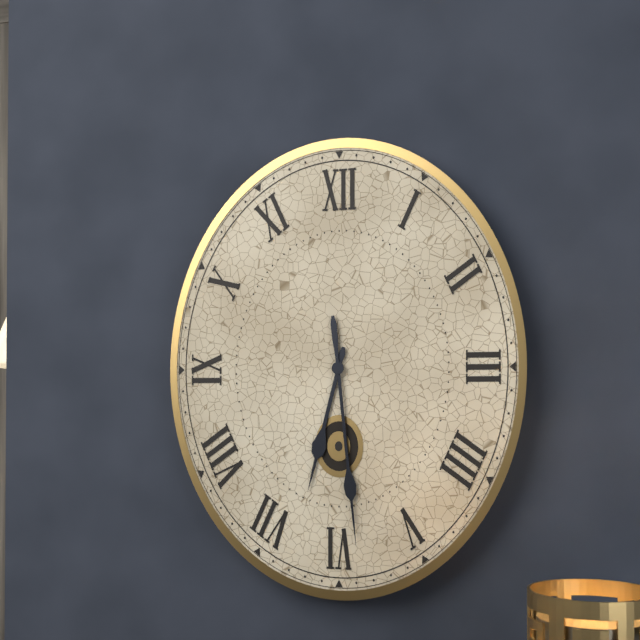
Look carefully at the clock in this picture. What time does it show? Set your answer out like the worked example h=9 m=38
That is h=6 m=29
